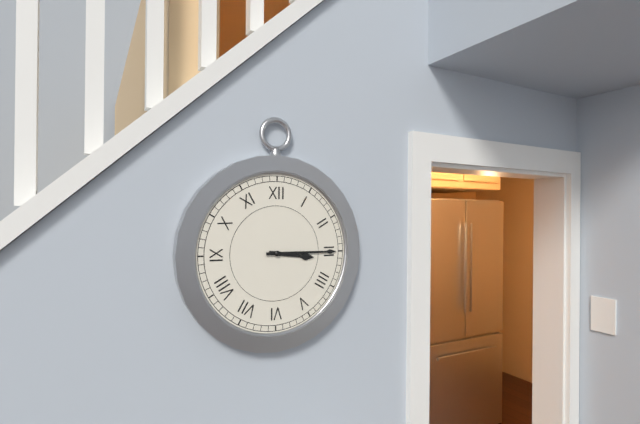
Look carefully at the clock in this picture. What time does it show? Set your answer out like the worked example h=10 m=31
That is h=3 m=15
